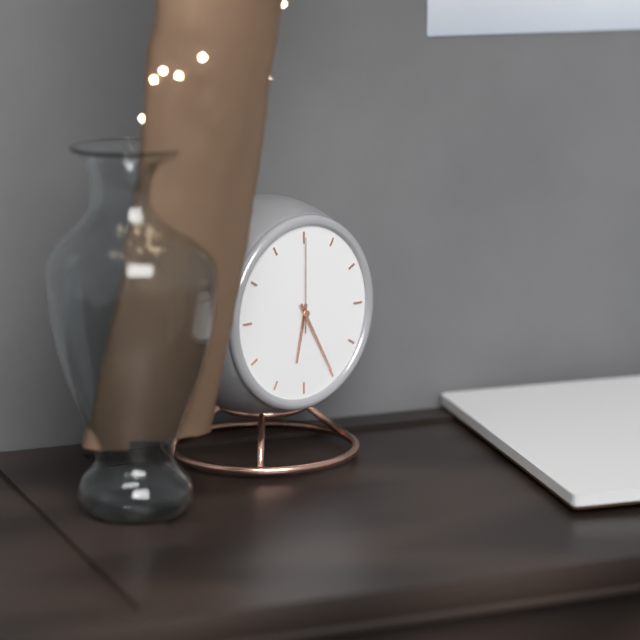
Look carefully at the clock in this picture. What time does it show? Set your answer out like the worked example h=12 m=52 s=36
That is h=6 m=25 s=0
